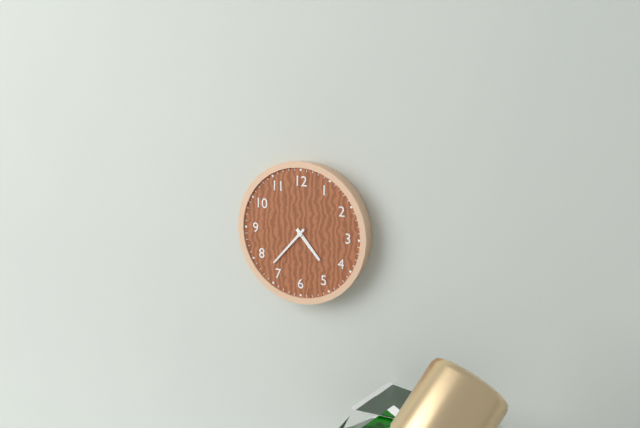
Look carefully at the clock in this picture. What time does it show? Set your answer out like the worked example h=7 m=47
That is h=4 m=37
